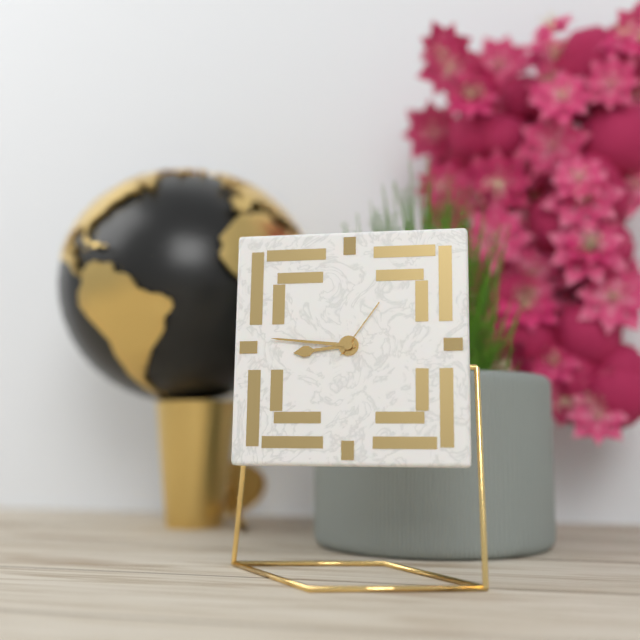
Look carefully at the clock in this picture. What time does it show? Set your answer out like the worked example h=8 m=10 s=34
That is h=8 m=46 s=6
